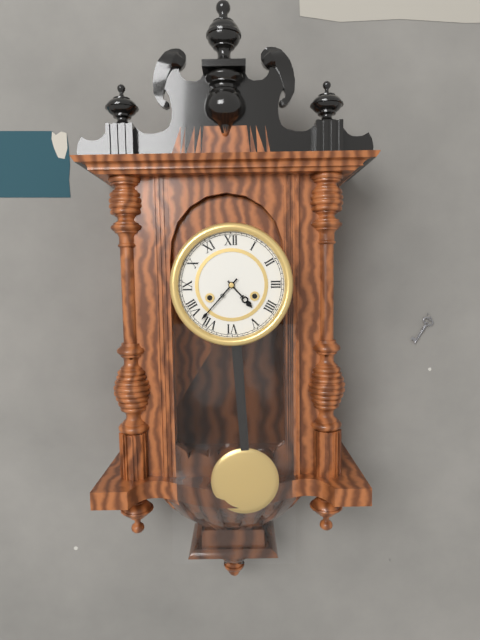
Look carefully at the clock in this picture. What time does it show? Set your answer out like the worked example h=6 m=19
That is h=4 m=37
